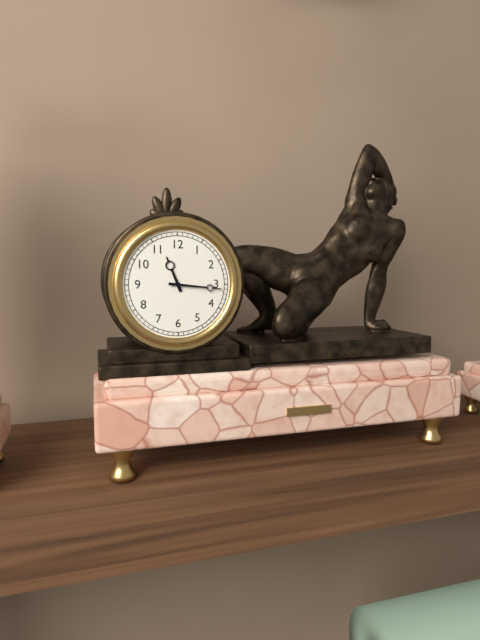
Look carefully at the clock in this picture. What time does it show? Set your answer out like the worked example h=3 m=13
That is h=11 m=16
